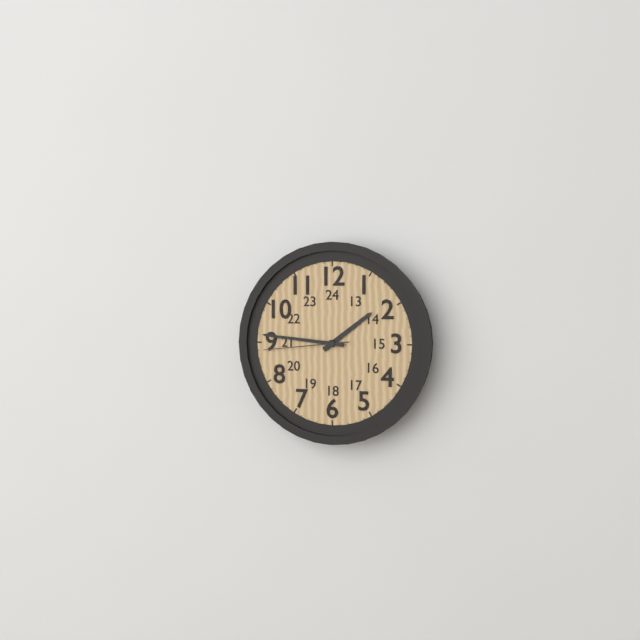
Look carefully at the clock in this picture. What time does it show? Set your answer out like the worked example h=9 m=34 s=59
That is h=1 m=46 s=44
